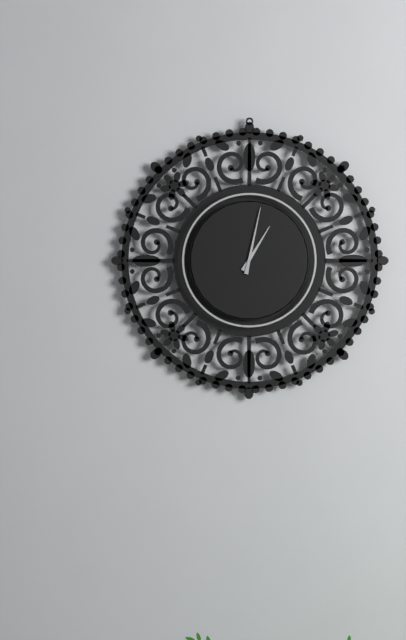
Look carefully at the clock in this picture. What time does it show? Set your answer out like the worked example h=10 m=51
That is h=1 m=2
